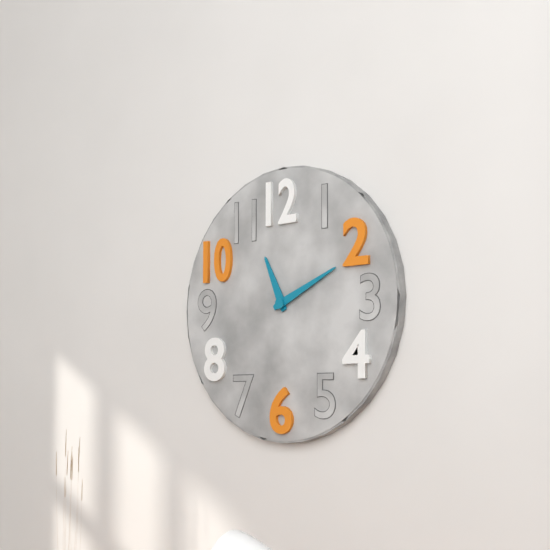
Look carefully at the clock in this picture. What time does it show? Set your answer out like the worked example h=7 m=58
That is h=11 m=11
